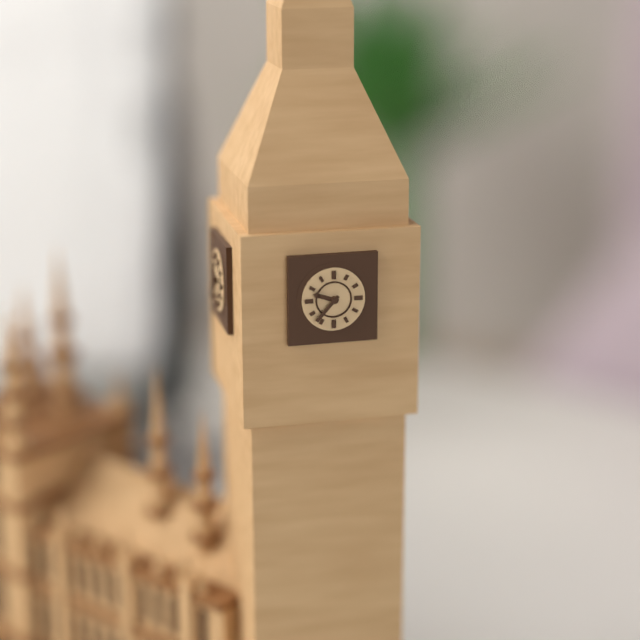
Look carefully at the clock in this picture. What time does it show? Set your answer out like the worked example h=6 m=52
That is h=9 m=37
